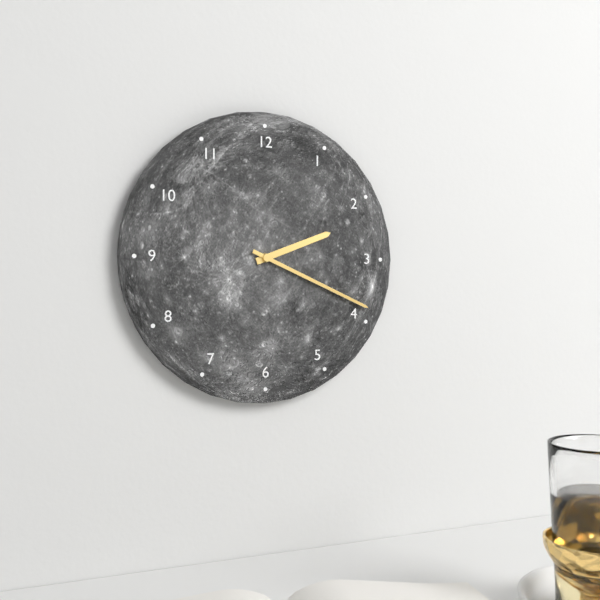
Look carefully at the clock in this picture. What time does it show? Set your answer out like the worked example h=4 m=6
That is h=2 m=19
